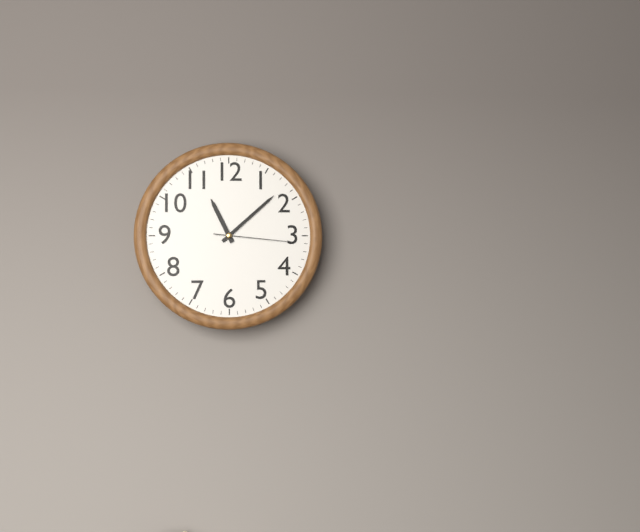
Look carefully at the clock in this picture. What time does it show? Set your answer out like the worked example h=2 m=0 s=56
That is h=11 m=8 s=16
